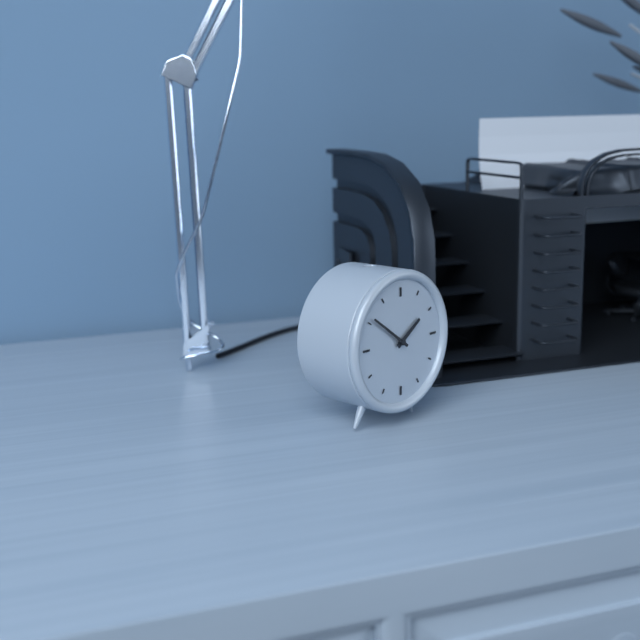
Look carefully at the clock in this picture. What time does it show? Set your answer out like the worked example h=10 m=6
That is h=1 m=51
